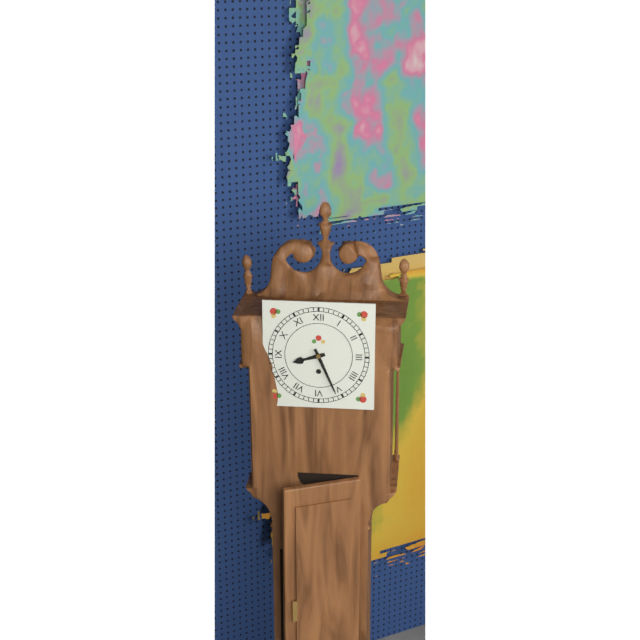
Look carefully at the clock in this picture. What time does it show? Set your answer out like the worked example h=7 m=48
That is h=8 m=26
